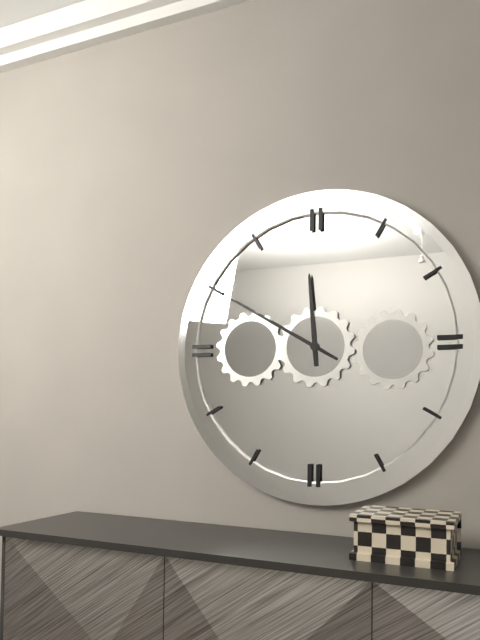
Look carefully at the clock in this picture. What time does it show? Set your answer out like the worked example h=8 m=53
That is h=11 m=50
